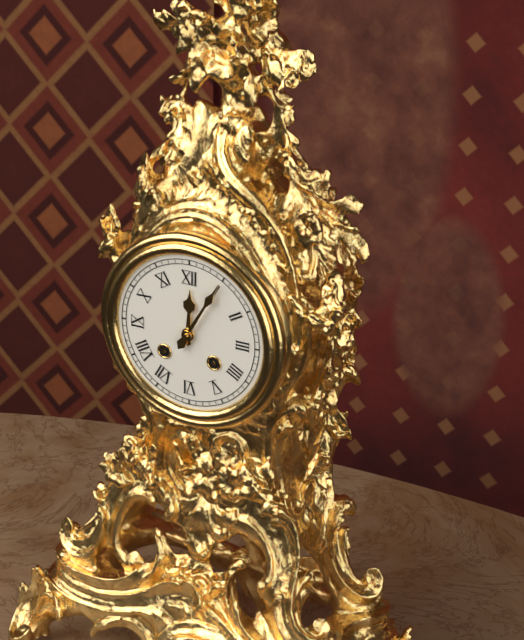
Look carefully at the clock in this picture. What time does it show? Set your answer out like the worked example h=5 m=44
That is h=12 m=5
